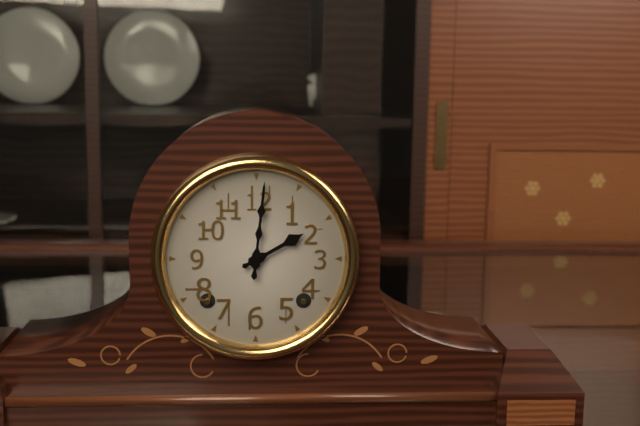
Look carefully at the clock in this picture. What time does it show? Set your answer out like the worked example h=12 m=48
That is h=2 m=1
